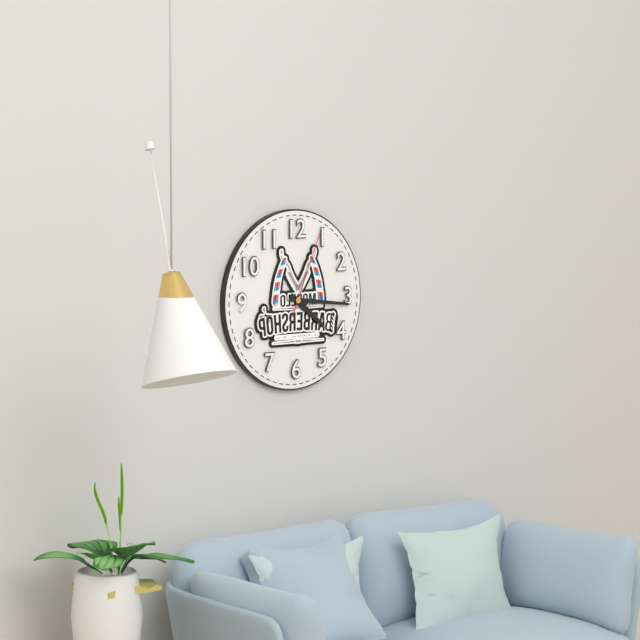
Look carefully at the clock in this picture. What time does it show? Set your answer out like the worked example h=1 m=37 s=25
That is h=4 m=16 s=4
